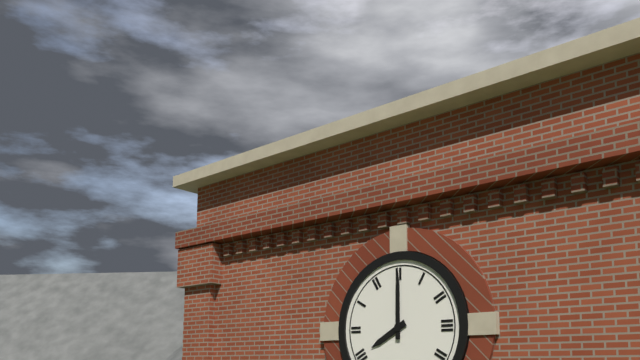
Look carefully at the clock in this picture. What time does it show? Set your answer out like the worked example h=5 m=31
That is h=8 m=0
